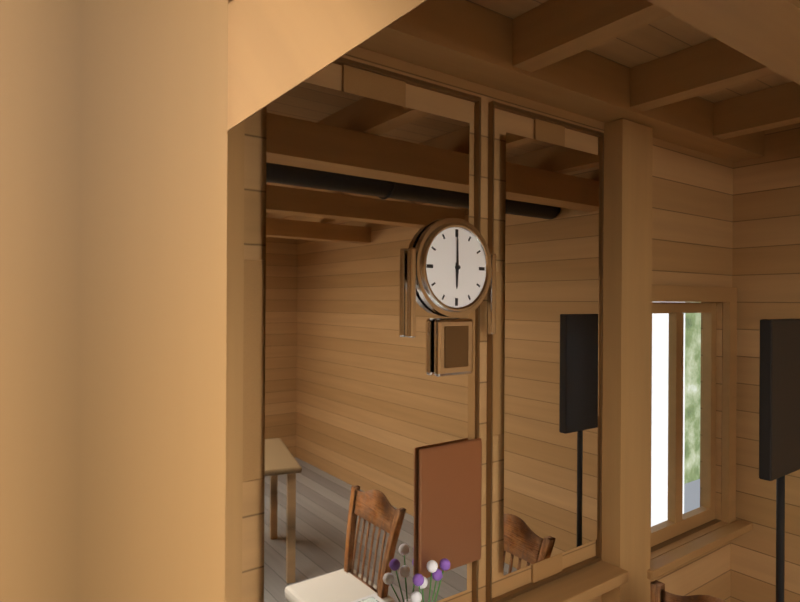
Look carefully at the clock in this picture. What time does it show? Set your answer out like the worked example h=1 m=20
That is h=6 m=0
